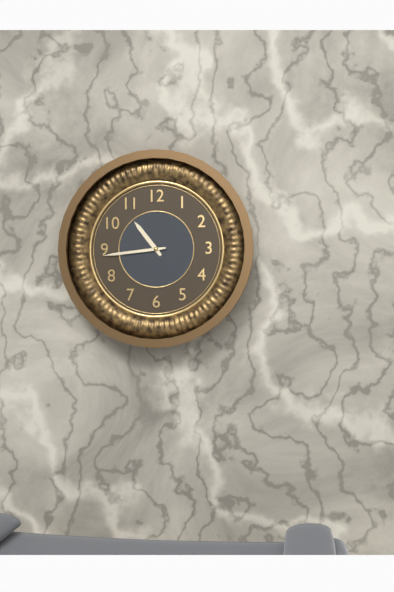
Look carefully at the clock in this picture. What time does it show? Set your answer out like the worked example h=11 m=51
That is h=10 m=44
